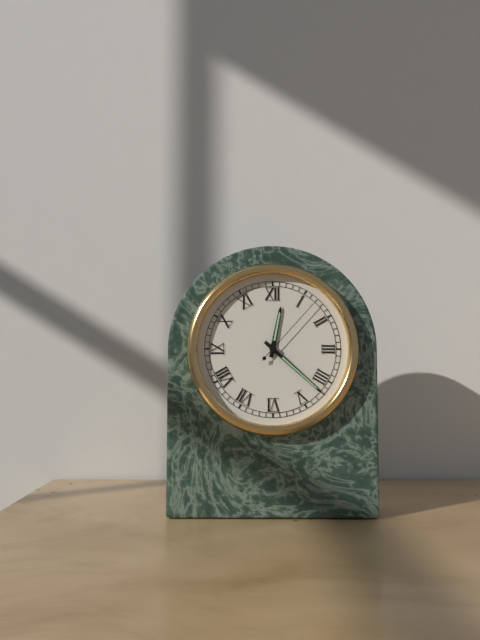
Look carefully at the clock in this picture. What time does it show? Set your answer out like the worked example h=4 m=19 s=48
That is h=12 m=22 s=7
